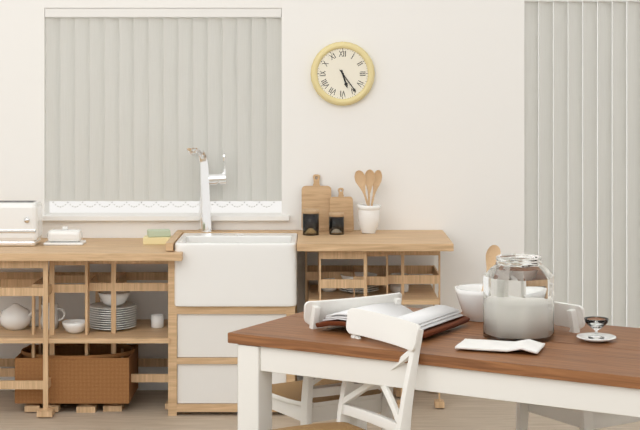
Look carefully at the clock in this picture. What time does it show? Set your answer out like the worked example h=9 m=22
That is h=5 m=24
